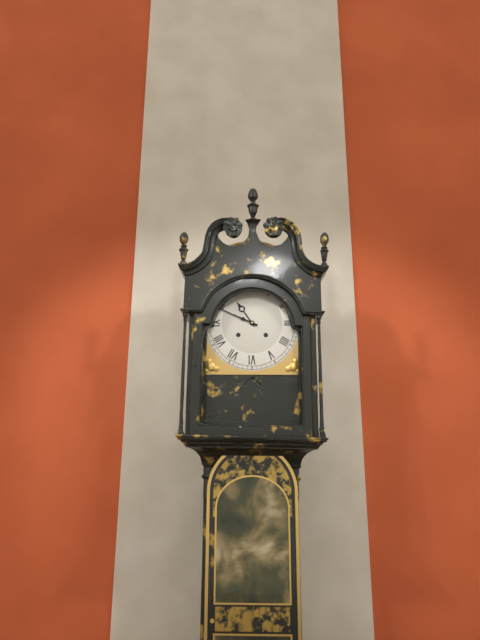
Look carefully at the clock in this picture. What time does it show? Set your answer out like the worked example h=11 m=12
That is h=10 m=49
